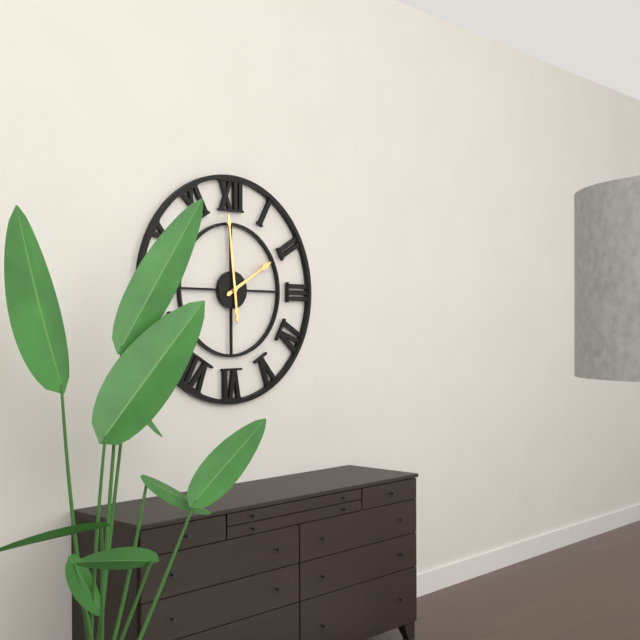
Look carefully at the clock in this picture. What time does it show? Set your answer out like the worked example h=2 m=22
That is h=1 m=59
